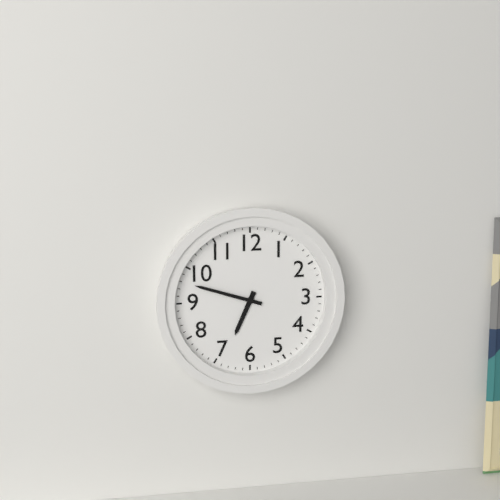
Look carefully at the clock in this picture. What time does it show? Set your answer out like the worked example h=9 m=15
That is h=6 m=48
